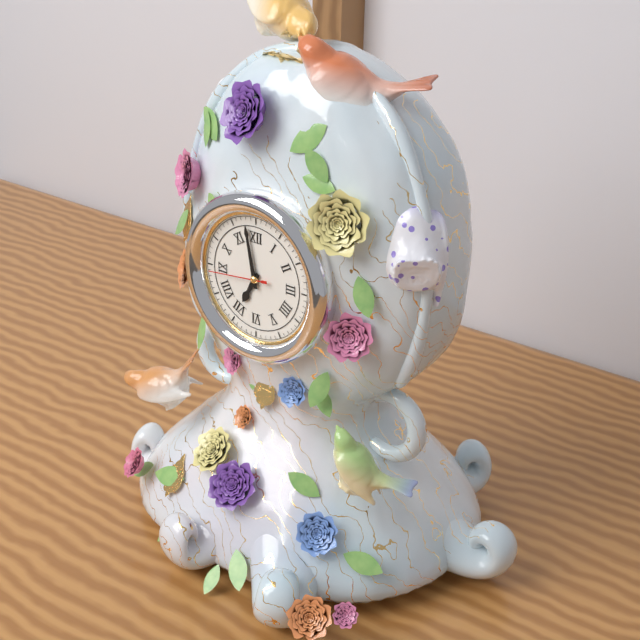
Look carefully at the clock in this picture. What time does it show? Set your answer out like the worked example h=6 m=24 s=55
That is h=6 m=58 s=44
